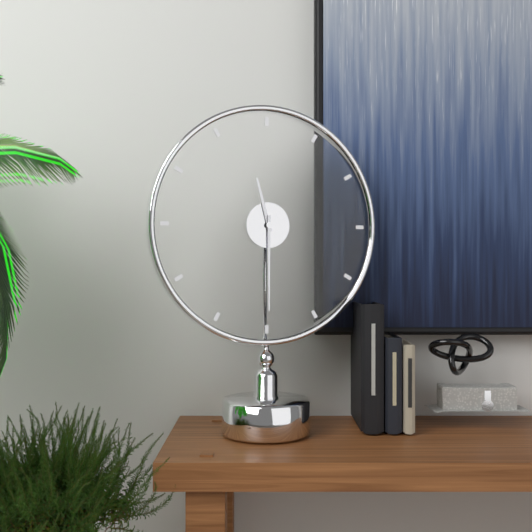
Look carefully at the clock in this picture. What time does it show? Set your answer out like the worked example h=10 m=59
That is h=11 m=30
